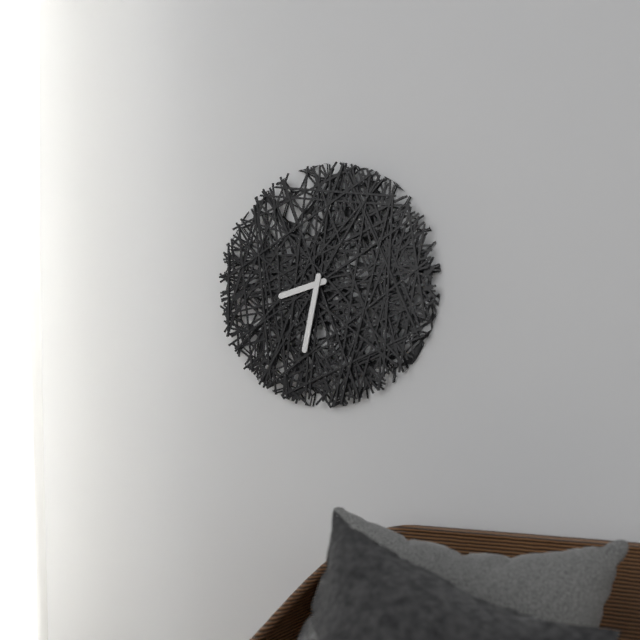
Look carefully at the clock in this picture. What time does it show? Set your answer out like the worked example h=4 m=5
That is h=8 m=32
